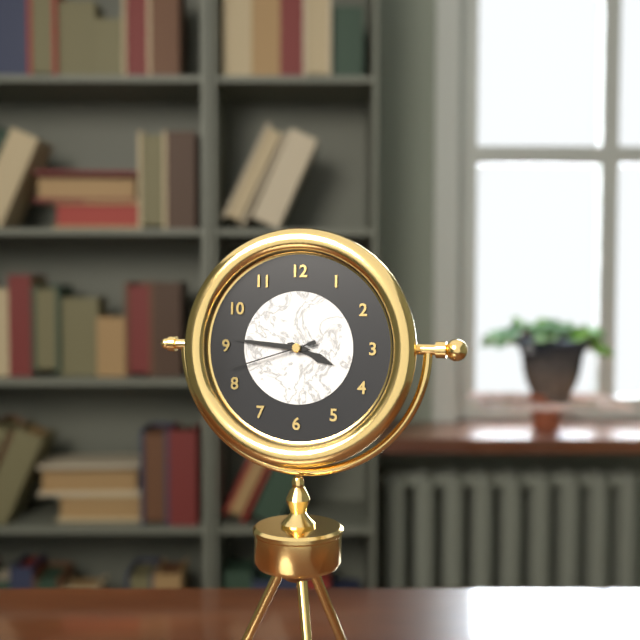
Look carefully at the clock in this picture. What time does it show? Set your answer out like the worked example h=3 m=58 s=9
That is h=3 m=46 s=42
